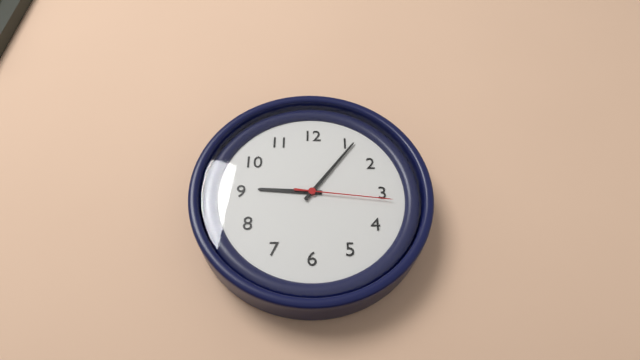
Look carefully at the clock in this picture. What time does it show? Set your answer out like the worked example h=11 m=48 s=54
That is h=9 m=6 s=16
